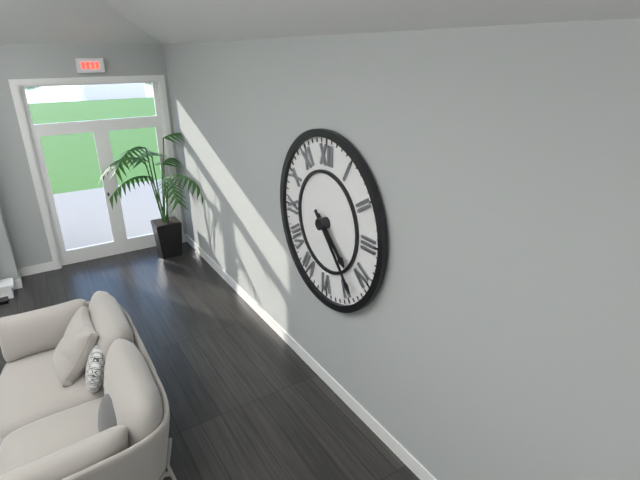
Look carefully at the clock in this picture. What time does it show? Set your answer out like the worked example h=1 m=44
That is h=4 m=23
